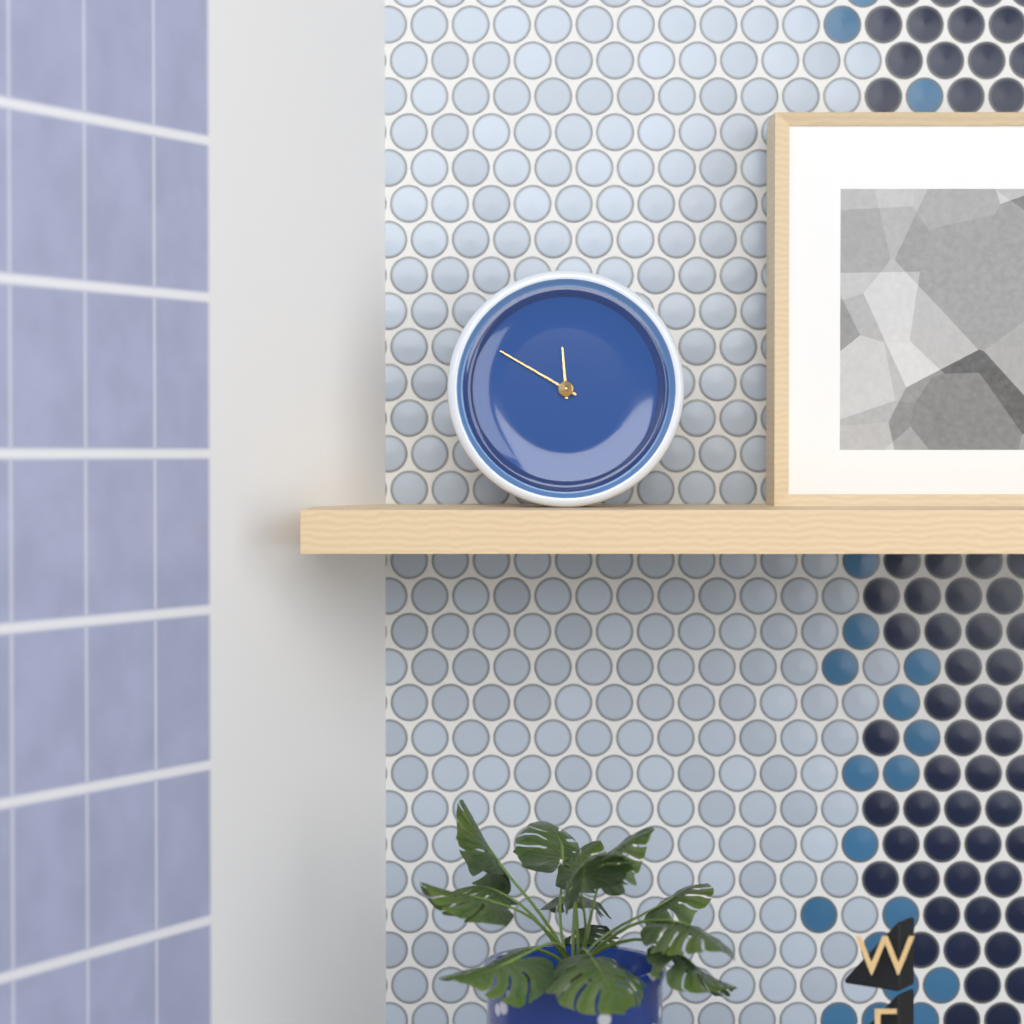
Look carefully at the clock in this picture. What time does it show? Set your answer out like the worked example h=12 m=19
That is h=11 m=50
